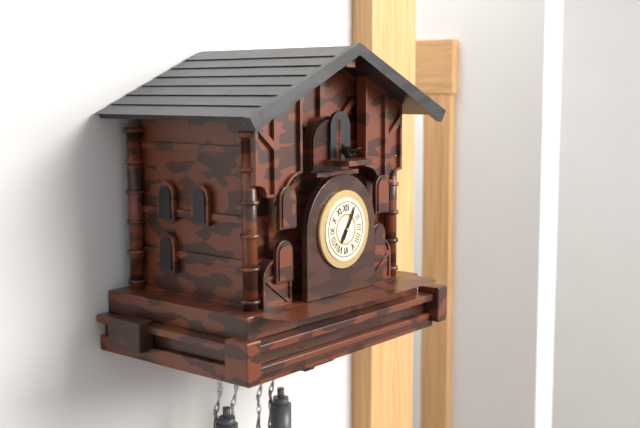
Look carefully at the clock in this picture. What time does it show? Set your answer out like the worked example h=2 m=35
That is h=7 m=5
